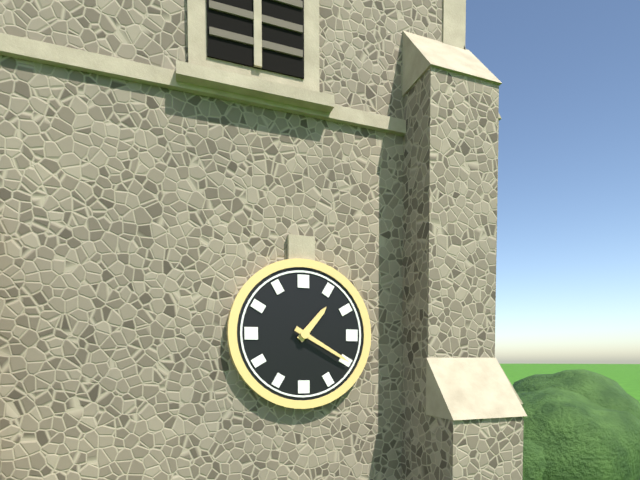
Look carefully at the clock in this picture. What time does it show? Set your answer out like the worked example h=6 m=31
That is h=1 m=20
